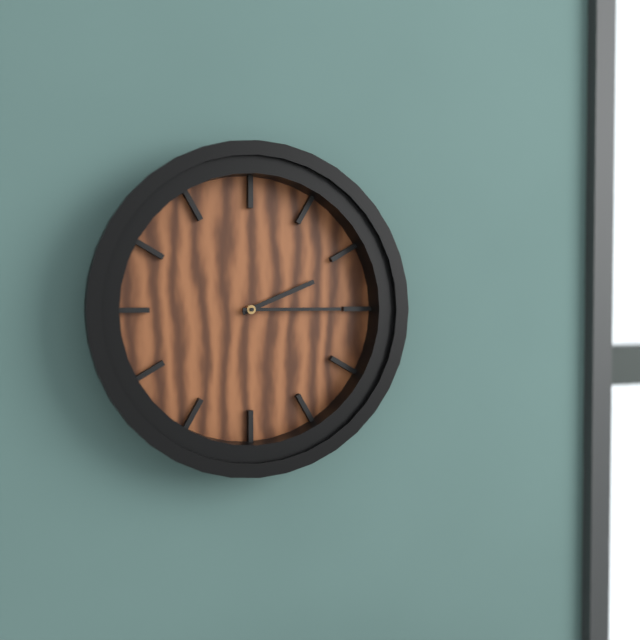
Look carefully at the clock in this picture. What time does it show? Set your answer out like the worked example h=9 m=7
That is h=2 m=15
